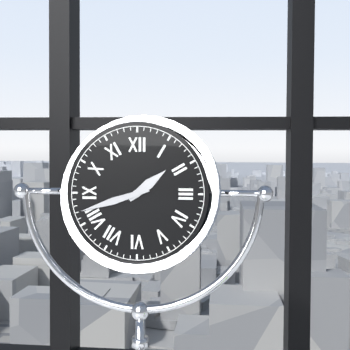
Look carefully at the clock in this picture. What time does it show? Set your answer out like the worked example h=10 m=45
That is h=1 m=42
